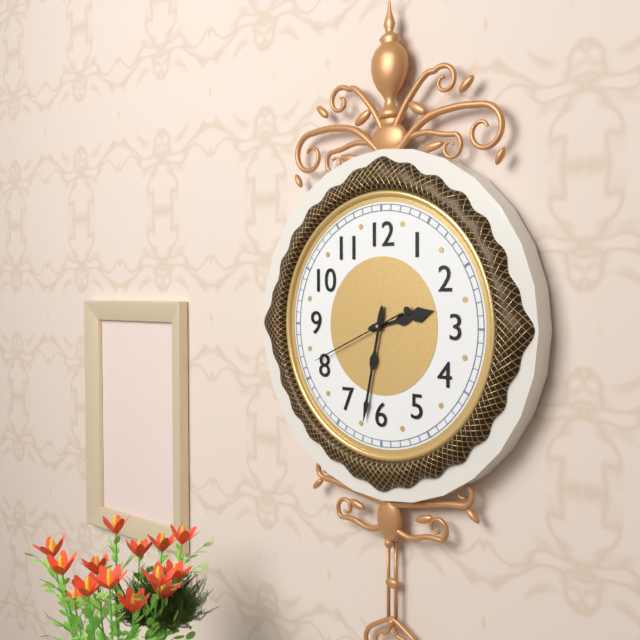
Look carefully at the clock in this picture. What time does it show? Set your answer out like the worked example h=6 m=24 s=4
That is h=2 m=32 s=41
